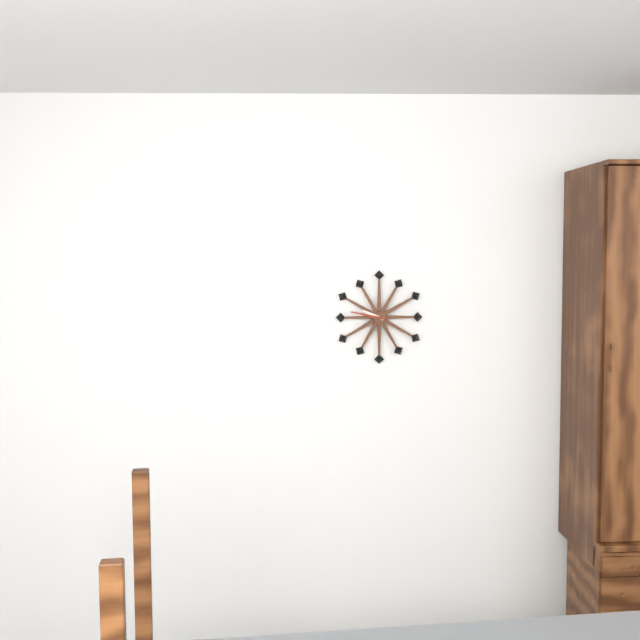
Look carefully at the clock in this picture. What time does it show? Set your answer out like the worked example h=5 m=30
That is h=9 m=47
